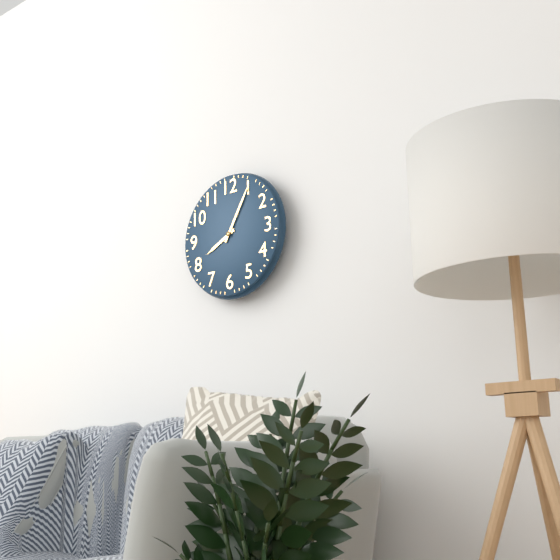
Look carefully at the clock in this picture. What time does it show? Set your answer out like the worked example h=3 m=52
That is h=8 m=5
